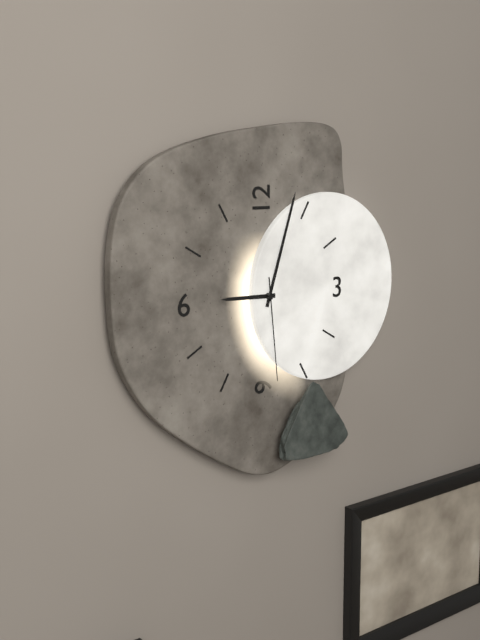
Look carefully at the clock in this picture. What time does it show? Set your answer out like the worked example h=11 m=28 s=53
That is h=9 m=3 s=29
